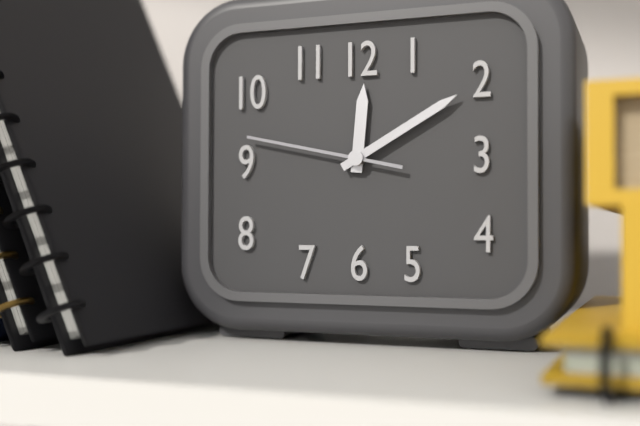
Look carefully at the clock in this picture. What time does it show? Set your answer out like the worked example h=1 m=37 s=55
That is h=12 m=10 s=47
